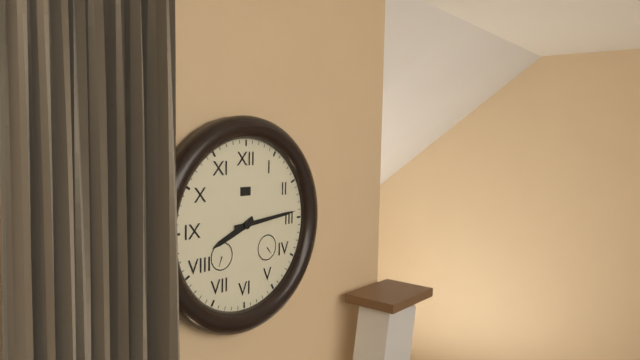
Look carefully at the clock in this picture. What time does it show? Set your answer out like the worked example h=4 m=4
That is h=8 m=14
